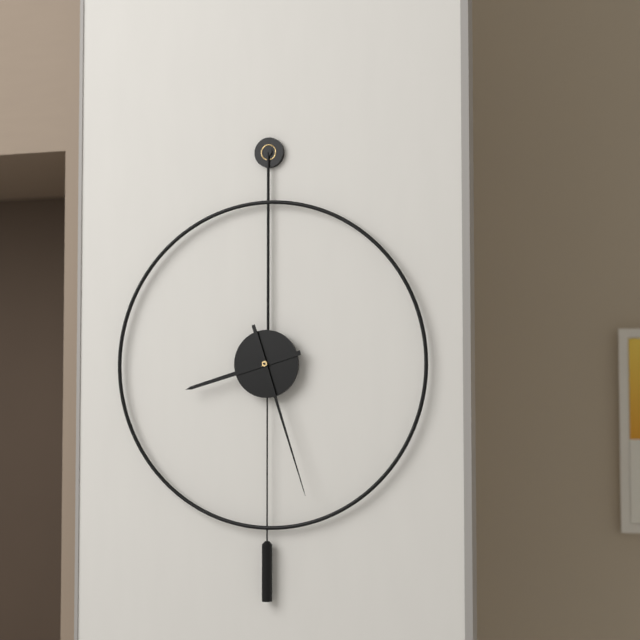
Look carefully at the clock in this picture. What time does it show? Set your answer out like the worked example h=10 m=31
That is h=8 m=27
